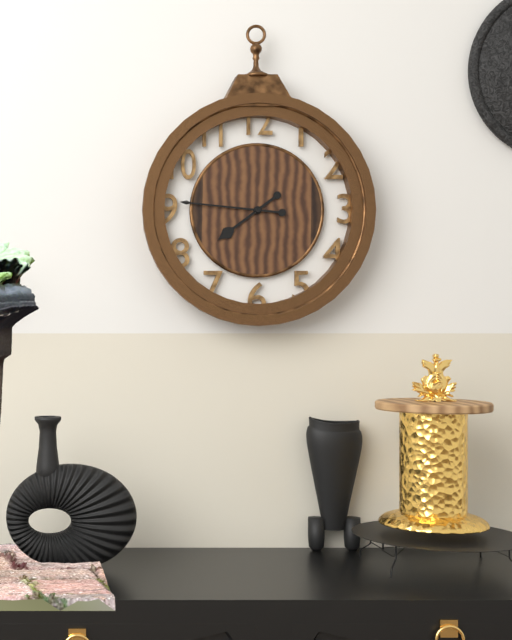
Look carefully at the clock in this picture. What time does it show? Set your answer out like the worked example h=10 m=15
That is h=7 m=46
